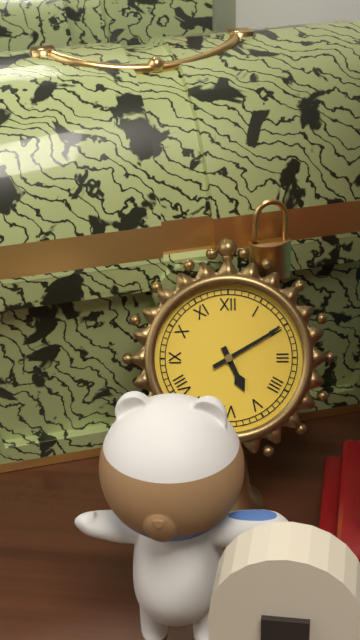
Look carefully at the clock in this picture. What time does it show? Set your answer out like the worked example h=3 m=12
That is h=5 m=10
